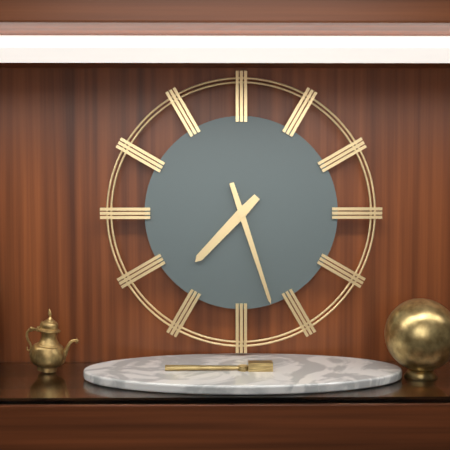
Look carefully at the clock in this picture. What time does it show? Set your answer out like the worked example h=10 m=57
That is h=7 m=27
